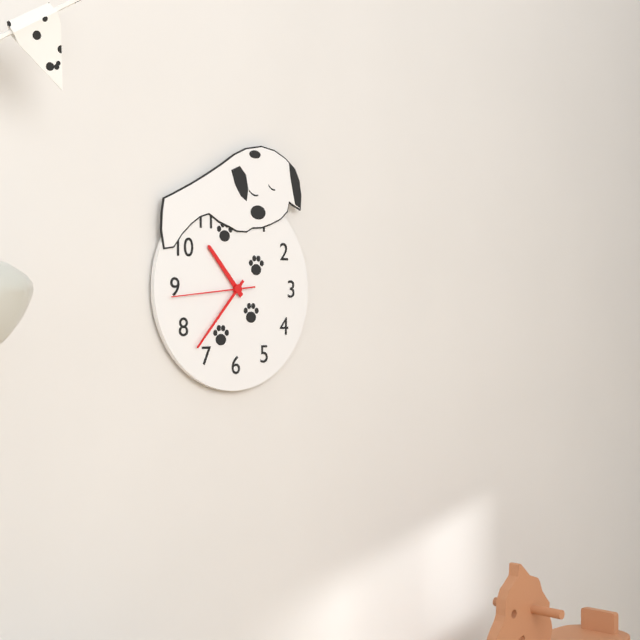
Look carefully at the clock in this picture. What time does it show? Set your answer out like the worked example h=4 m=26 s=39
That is h=10 m=37 s=44
